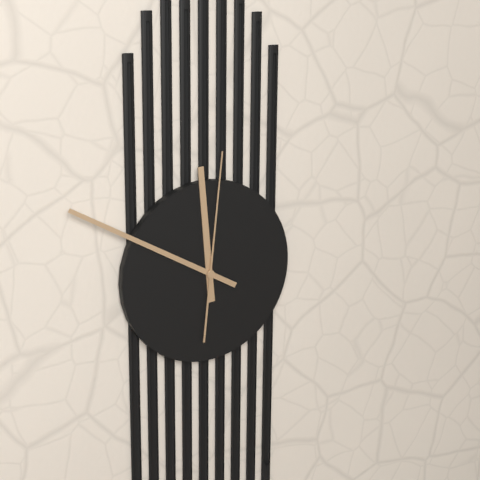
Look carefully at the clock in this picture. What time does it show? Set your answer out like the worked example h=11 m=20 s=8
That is h=11 m=50 s=1
